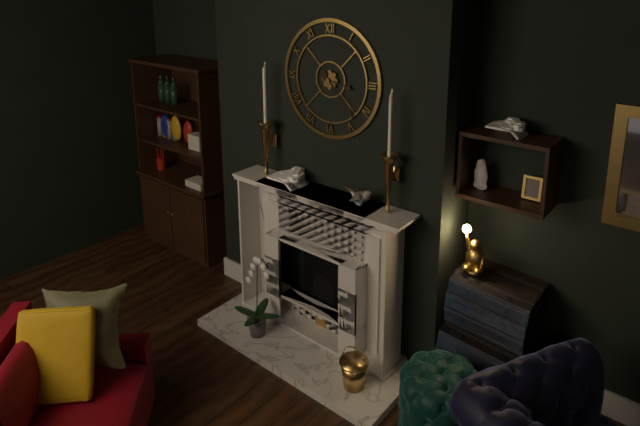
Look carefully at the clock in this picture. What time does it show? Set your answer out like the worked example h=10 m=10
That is h=3 m=23
